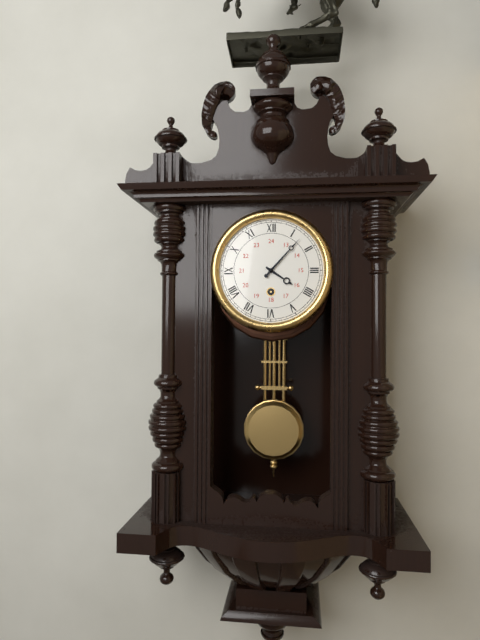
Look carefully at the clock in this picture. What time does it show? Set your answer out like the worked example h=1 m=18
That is h=4 m=7
